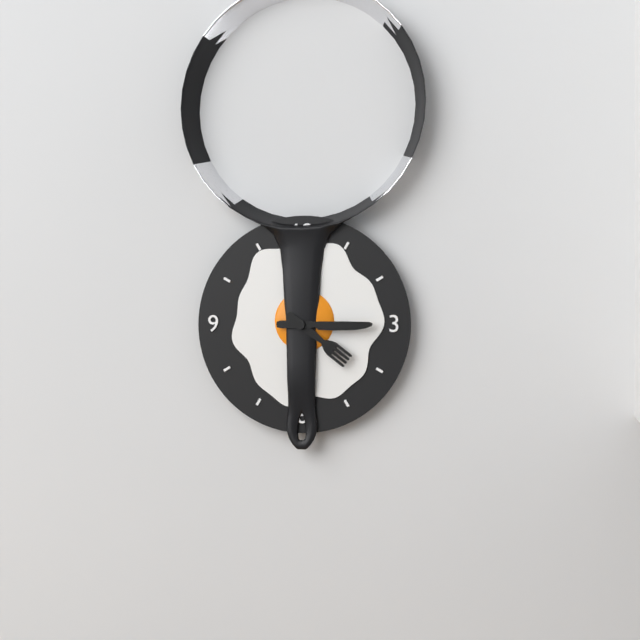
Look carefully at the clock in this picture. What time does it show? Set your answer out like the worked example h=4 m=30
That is h=4 m=15
